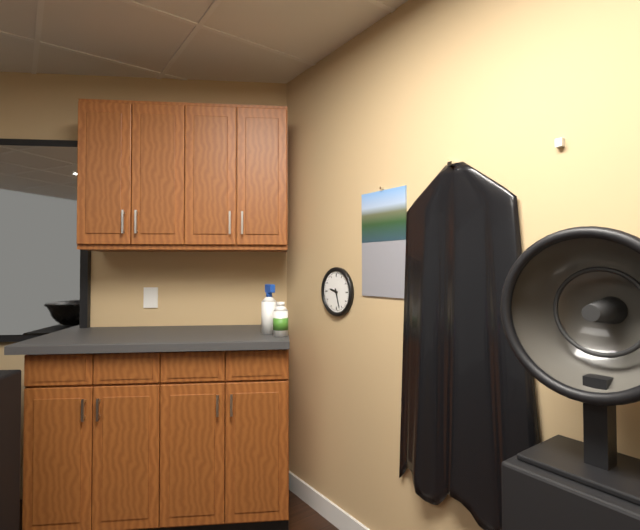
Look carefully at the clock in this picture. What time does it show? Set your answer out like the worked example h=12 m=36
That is h=9 m=27
